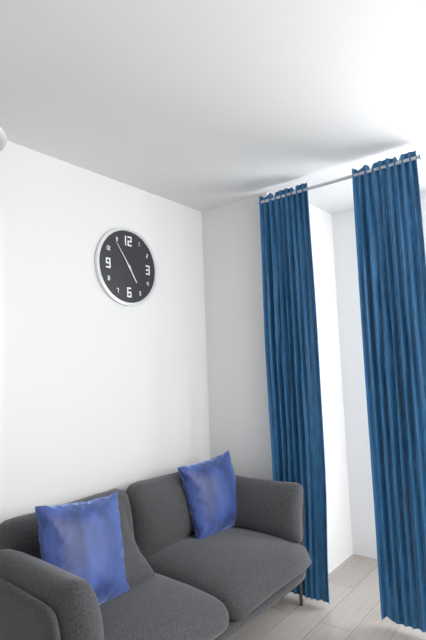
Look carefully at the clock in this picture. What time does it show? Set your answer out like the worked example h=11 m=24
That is h=4 m=54
